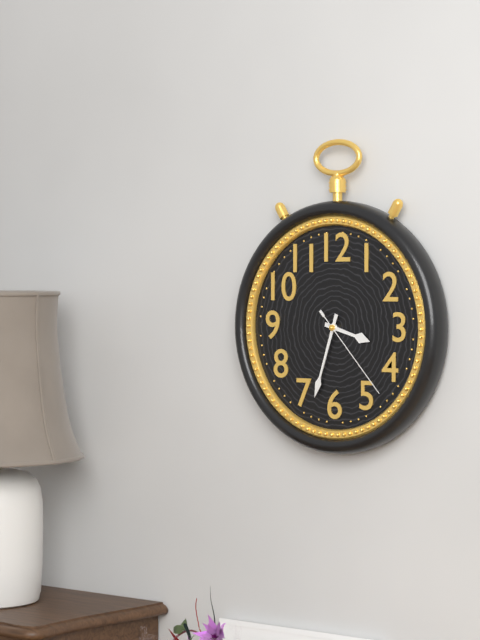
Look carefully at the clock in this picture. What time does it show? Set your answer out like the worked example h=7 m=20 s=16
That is h=3 m=33 s=23
